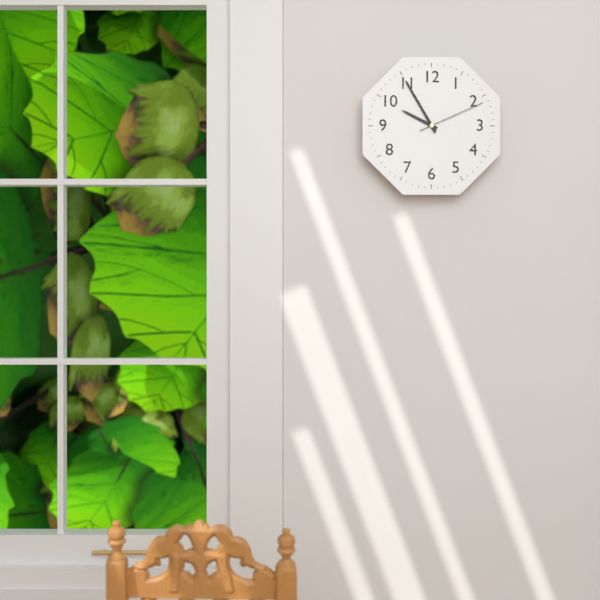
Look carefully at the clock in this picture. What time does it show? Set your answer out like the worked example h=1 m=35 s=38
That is h=9 m=55 s=11
